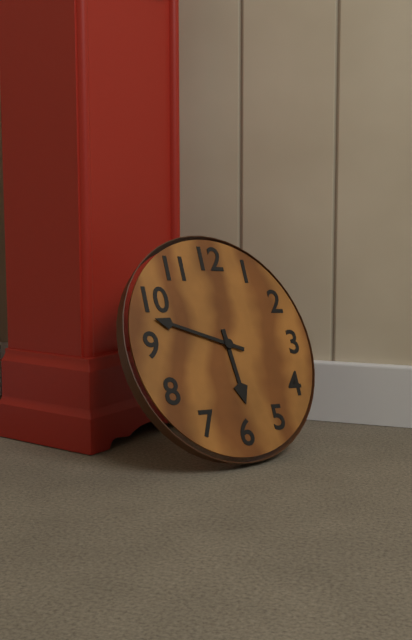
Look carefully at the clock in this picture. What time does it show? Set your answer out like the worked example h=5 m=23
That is h=5 m=48
